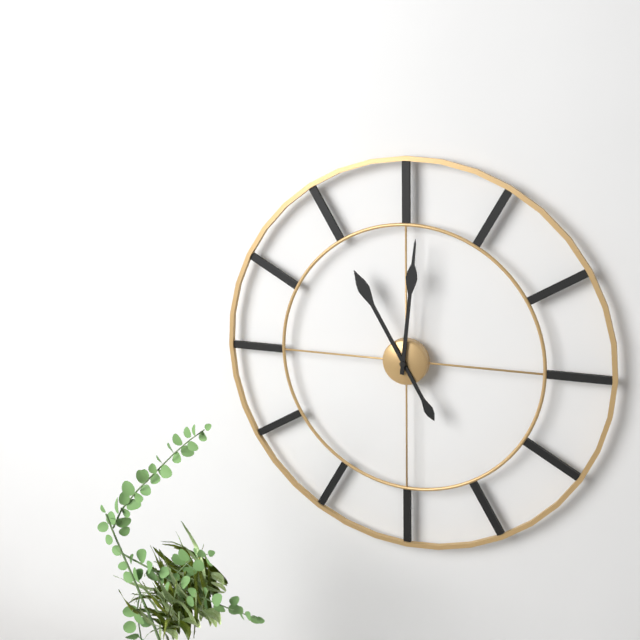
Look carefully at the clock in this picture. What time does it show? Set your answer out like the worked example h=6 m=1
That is h=11 m=1
